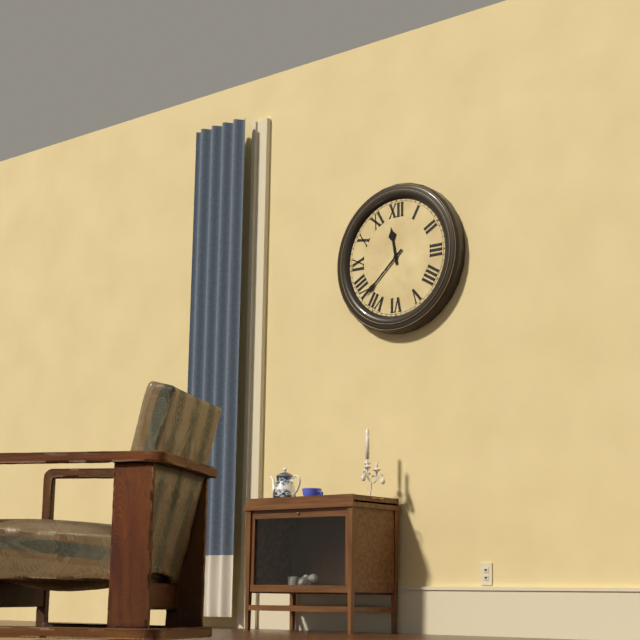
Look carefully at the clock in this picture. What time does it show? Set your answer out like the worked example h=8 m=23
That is h=11 m=38
